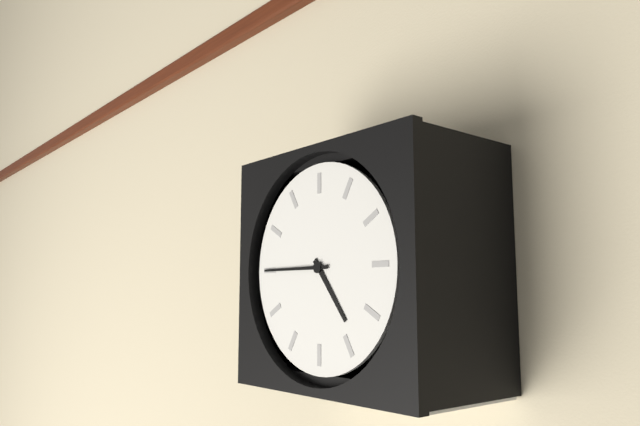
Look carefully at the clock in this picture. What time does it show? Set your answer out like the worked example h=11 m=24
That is h=4 m=45
